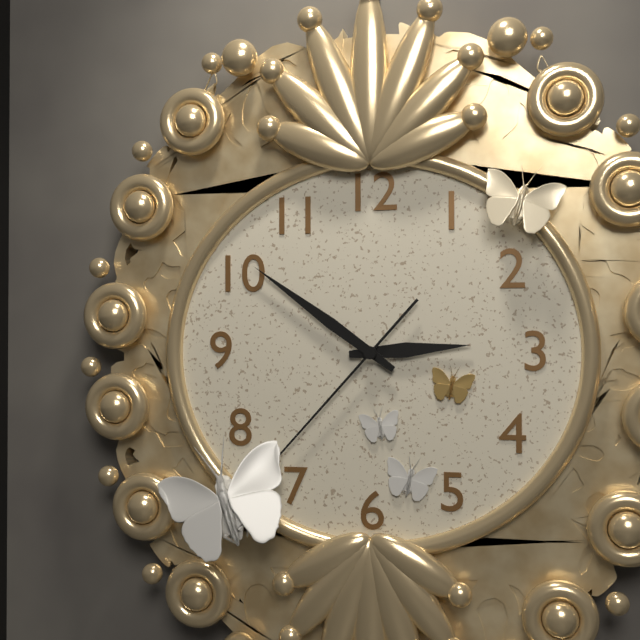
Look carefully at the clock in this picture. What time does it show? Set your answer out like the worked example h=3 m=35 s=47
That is h=2 m=51 s=37
